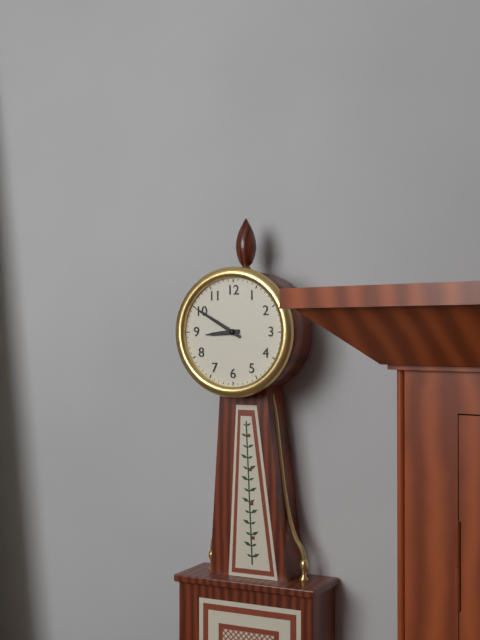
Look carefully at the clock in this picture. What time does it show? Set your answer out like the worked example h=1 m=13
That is h=8 m=50
